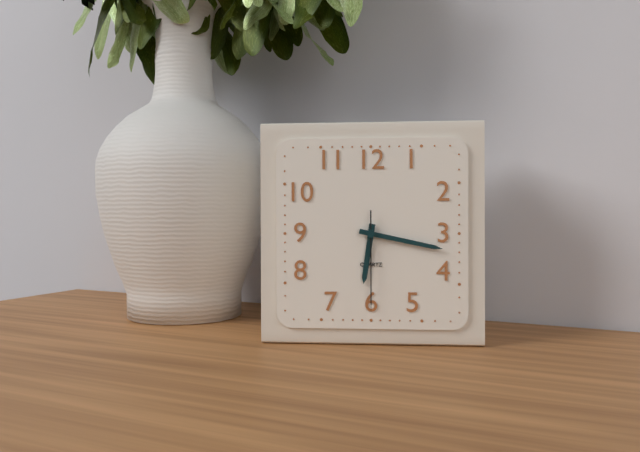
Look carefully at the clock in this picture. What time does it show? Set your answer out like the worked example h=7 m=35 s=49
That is h=6 m=17 s=30
